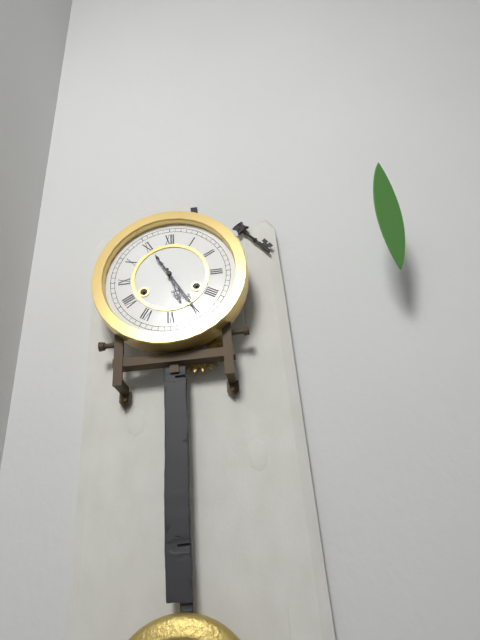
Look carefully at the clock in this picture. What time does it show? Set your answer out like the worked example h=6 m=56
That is h=5 m=25
